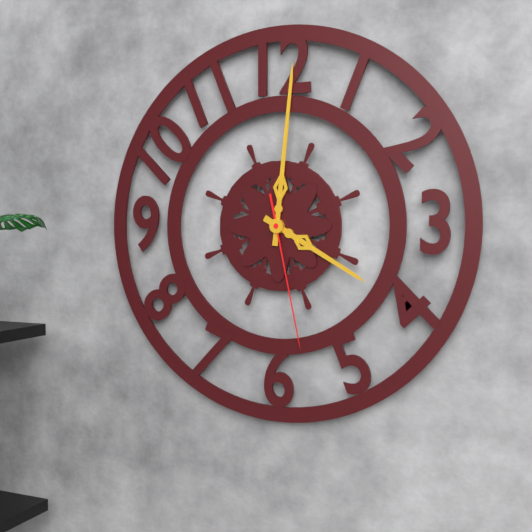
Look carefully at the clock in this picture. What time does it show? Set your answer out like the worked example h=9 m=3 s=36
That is h=4 m=1 s=28
